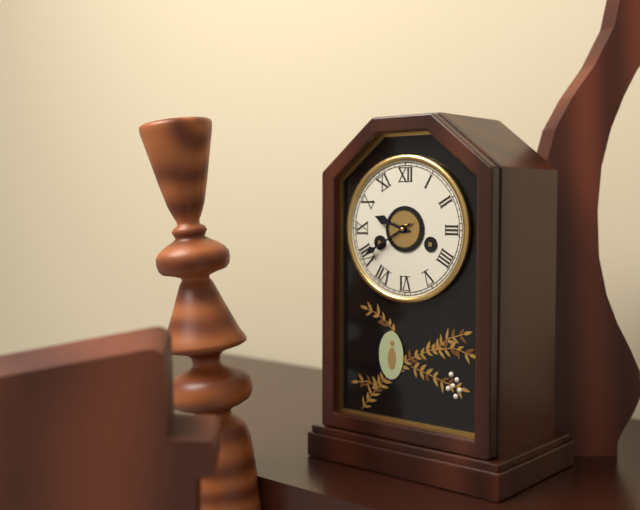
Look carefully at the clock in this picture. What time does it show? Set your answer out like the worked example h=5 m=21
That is h=9 m=40
